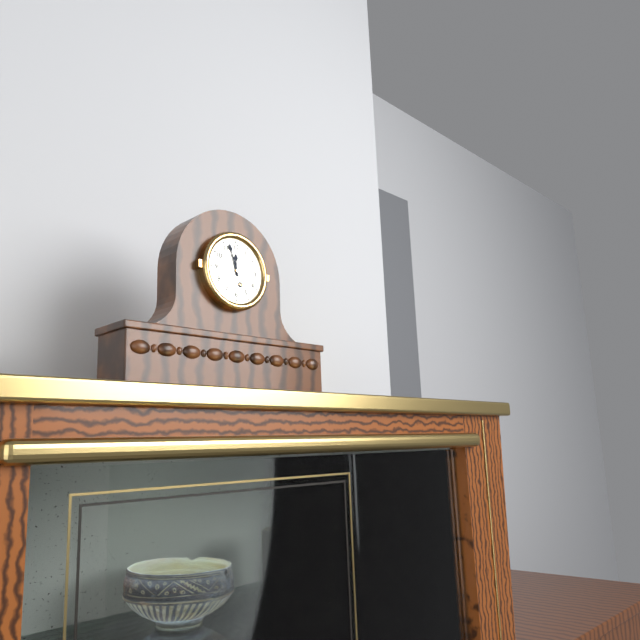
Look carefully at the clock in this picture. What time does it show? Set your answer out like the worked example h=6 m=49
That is h=11 m=57
